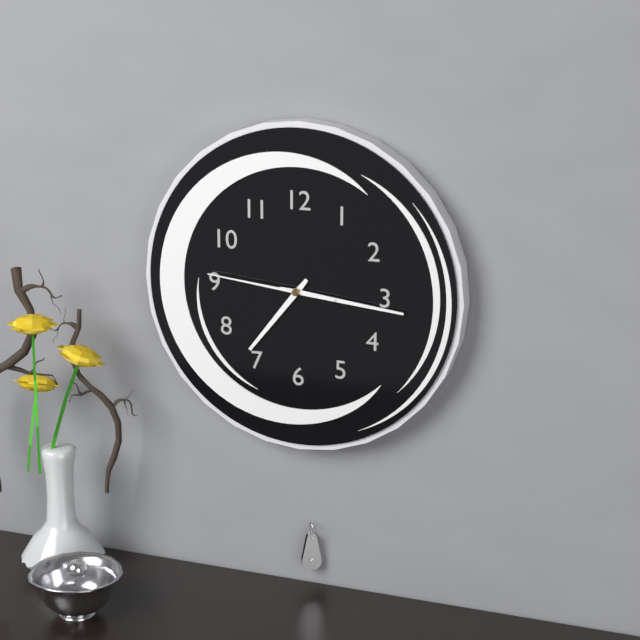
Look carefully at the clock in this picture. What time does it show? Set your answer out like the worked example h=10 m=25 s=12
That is h=7 m=16 s=46
